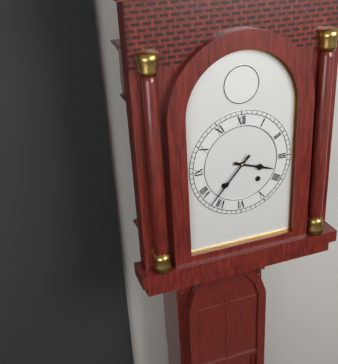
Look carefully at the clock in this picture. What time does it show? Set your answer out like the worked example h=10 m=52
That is h=3 m=37
